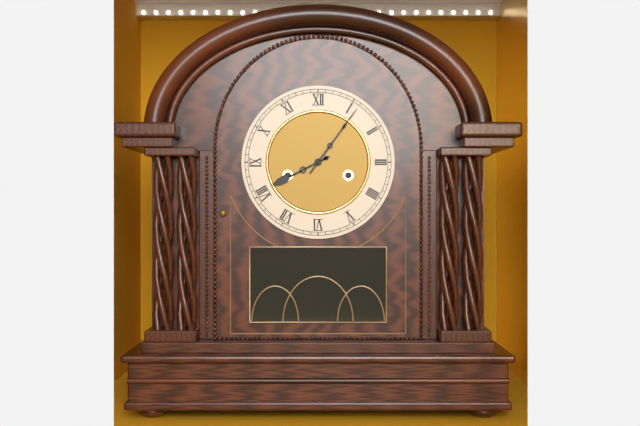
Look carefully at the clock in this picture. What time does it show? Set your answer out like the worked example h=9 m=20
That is h=8 m=6
